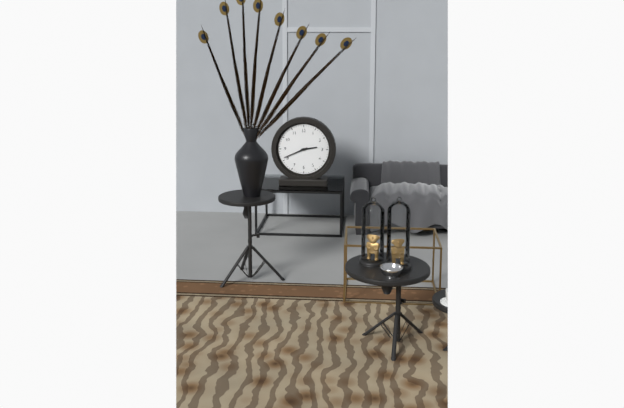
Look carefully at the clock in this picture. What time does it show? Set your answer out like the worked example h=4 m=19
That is h=2 m=41
